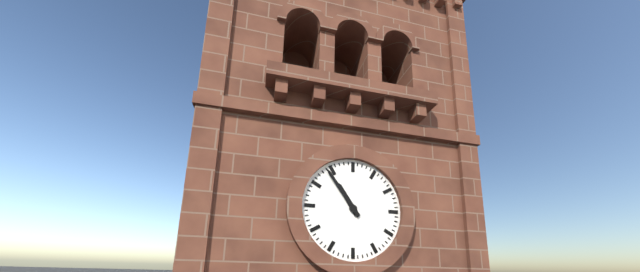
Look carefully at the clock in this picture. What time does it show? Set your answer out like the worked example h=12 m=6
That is h=10 m=54
